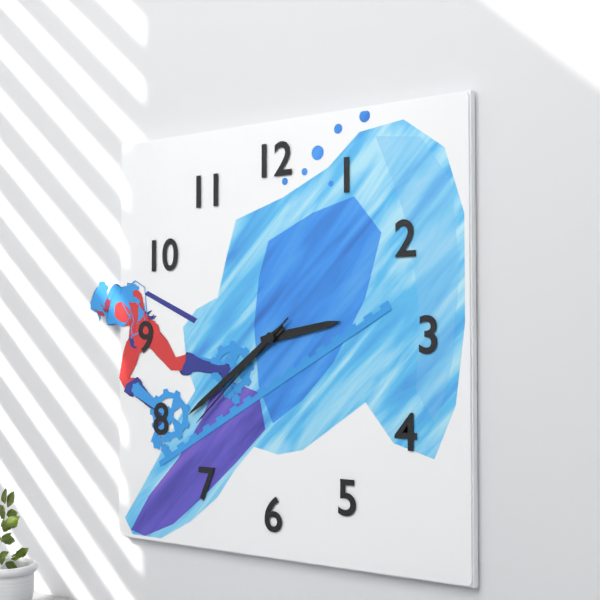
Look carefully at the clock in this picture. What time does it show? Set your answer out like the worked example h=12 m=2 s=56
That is h=2 m=39 s=38
